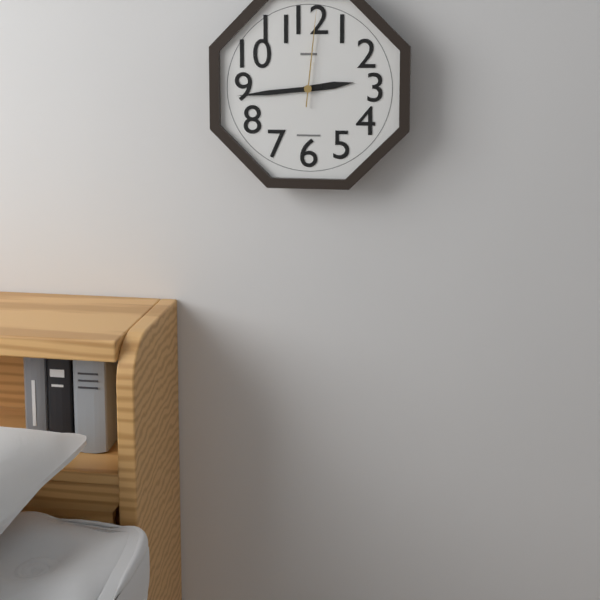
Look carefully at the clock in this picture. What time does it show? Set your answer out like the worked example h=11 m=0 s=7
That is h=2 m=44 s=1
